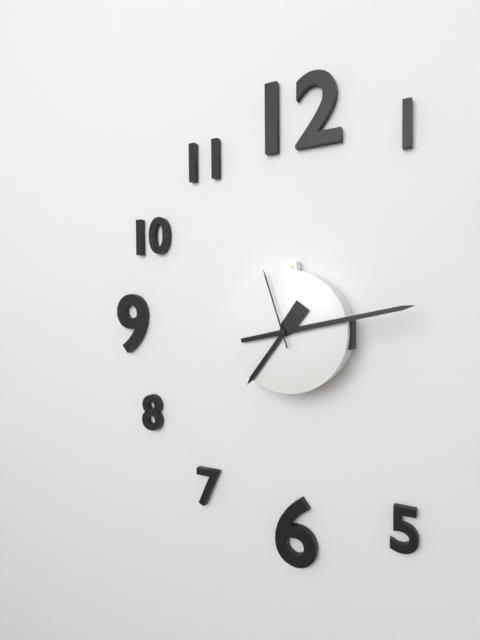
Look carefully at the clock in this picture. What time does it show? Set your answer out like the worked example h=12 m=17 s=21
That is h=7 m=13 s=57
